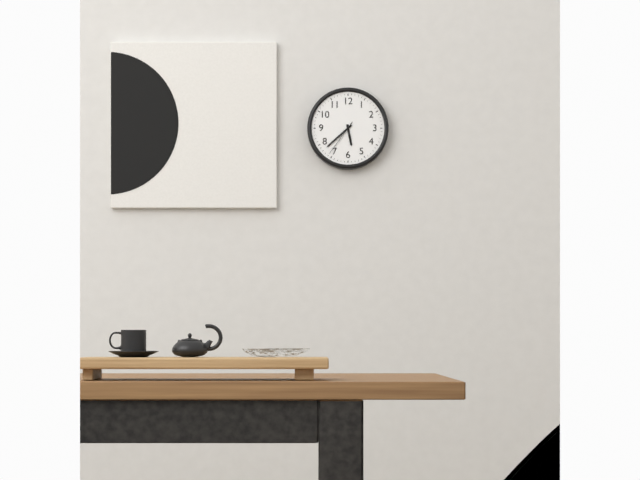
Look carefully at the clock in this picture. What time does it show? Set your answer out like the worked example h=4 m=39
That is h=5 m=38
